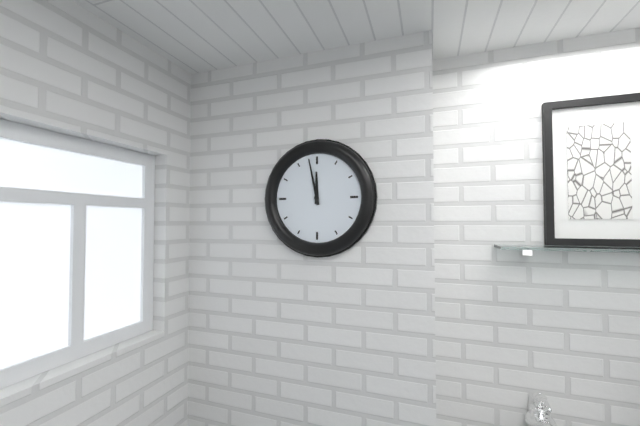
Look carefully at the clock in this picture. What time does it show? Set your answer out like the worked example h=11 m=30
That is h=11 m=58
